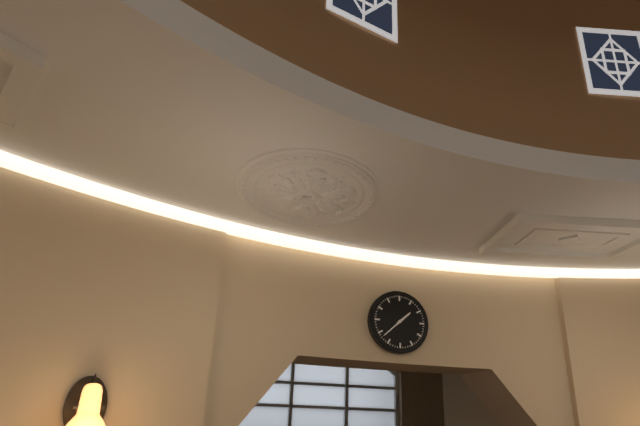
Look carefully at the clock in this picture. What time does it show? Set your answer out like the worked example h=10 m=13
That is h=1 m=38
